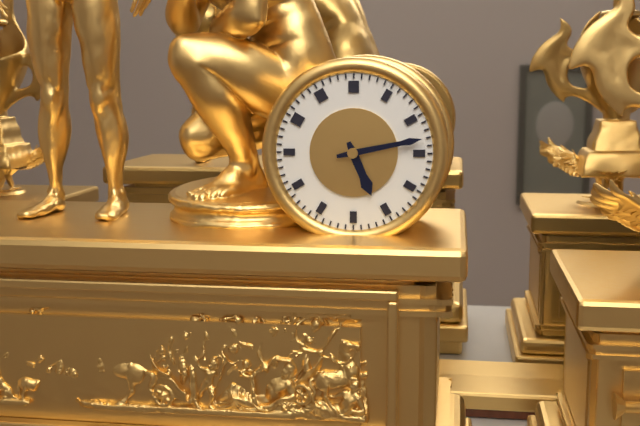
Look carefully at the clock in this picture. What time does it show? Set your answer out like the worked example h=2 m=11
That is h=5 m=13
